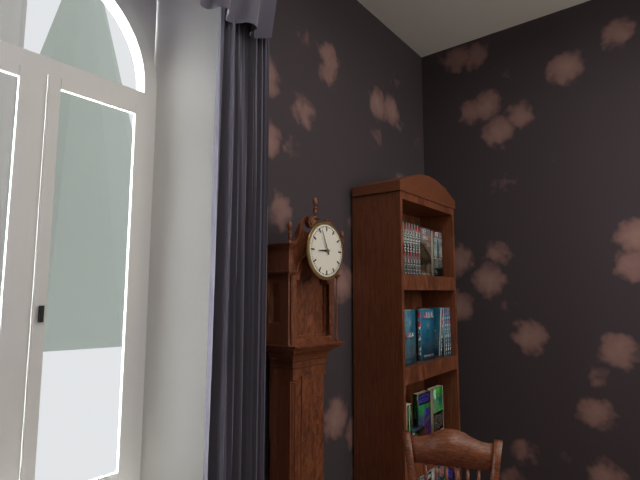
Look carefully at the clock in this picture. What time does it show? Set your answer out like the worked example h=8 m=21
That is h=8 m=56
